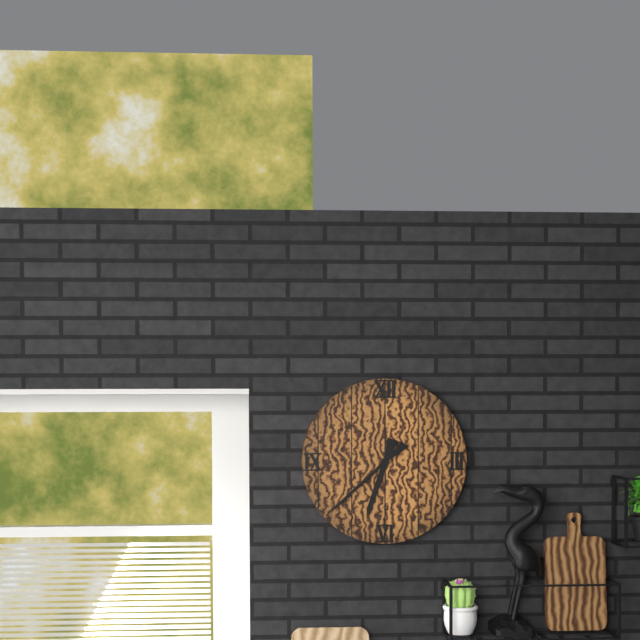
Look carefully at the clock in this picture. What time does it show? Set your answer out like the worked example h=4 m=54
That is h=6 m=38
